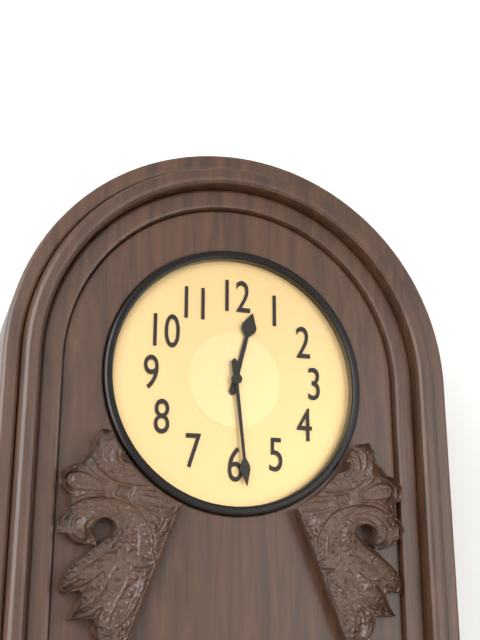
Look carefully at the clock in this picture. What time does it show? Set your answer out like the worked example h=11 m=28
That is h=12 m=29
